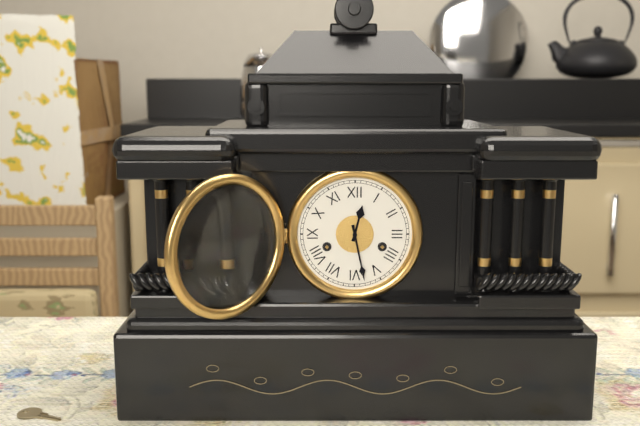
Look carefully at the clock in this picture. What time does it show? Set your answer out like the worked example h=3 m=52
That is h=12 m=28
